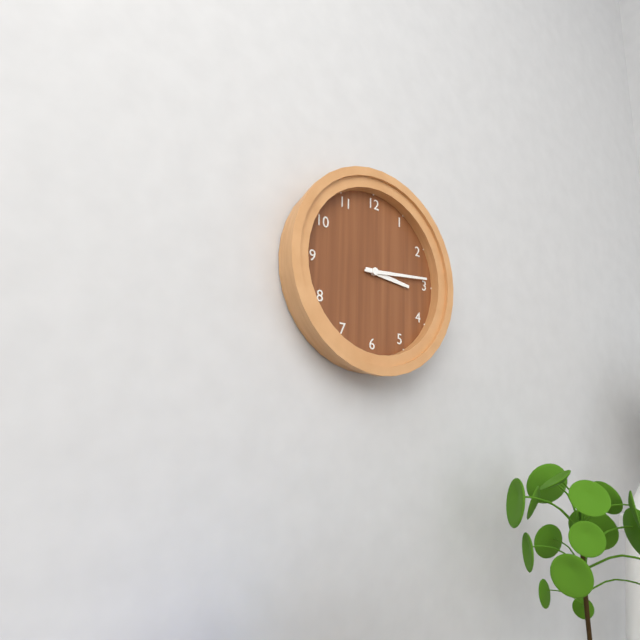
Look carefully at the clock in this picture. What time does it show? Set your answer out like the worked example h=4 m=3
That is h=3 m=14
